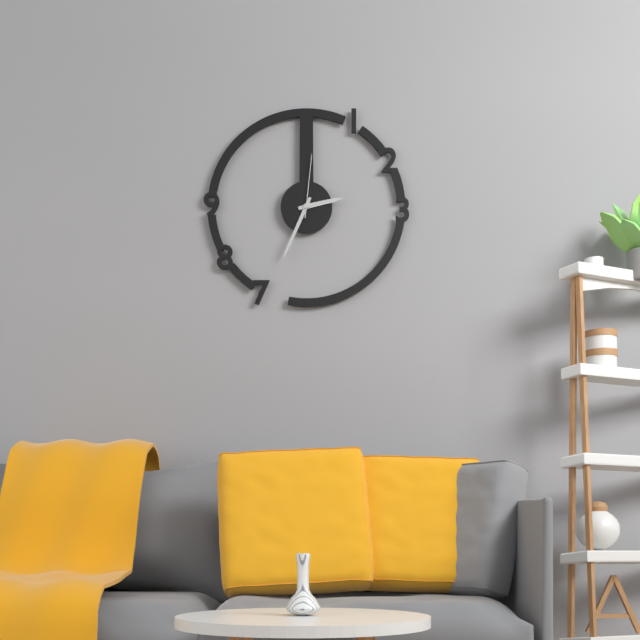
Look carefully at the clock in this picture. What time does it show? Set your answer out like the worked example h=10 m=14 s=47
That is h=2 m=34 s=1
